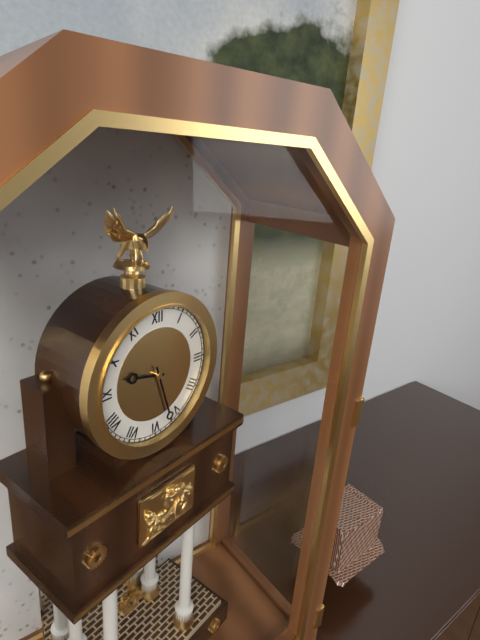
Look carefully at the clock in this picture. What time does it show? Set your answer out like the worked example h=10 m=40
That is h=9 m=27
